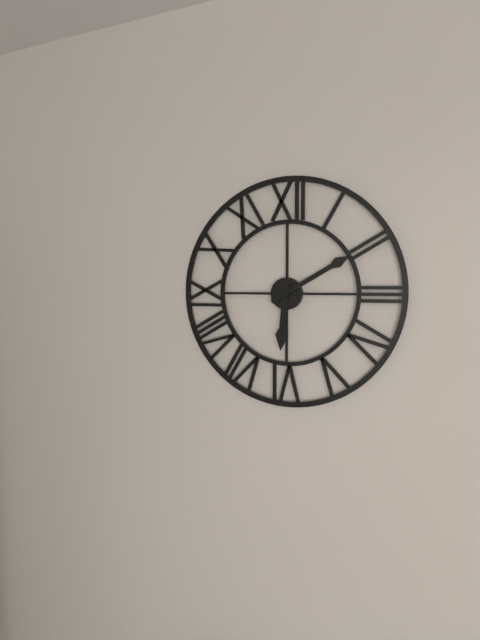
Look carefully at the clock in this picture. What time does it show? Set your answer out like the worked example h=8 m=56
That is h=6 m=10
